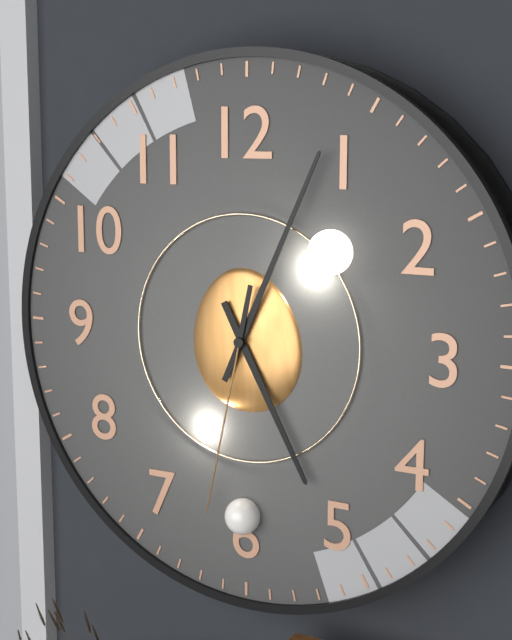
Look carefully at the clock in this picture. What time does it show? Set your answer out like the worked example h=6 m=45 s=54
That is h=5 m=4 s=32
